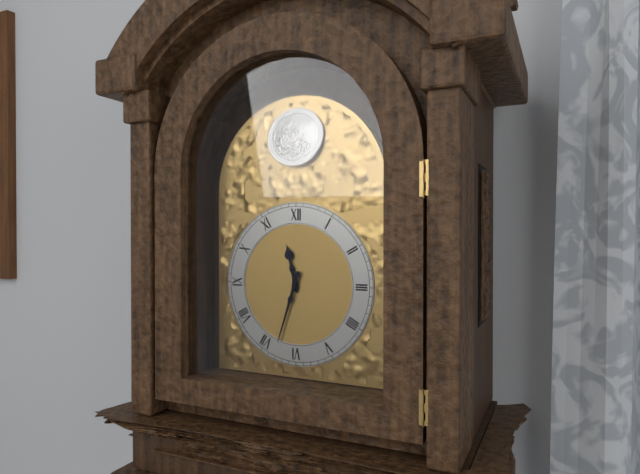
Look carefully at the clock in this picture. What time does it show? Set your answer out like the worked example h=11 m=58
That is h=11 m=33
